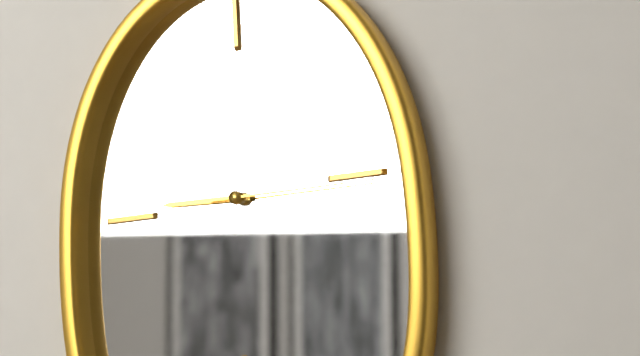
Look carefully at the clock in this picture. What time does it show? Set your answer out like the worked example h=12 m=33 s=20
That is h=9 m=3 s=15
